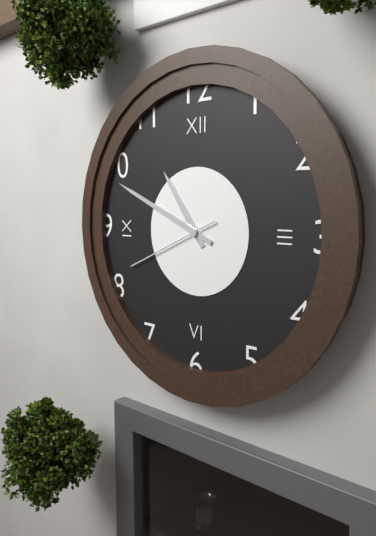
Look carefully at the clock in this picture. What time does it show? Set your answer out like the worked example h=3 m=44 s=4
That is h=10 m=49 s=41
